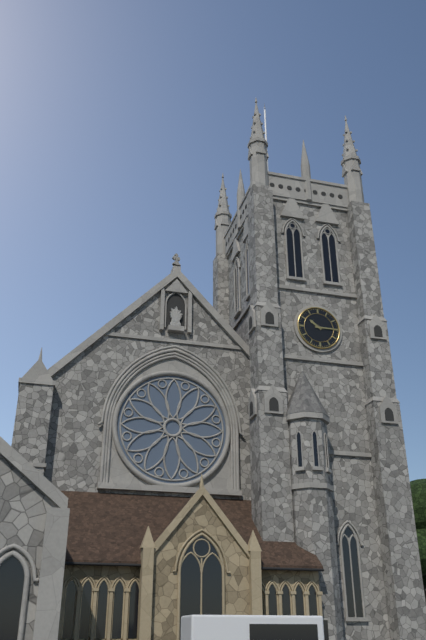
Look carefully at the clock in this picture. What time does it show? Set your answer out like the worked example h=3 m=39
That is h=10 m=15
